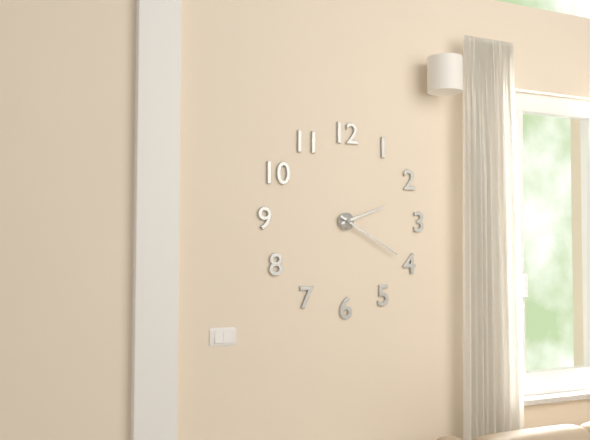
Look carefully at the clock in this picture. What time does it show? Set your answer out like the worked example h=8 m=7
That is h=2 m=20
